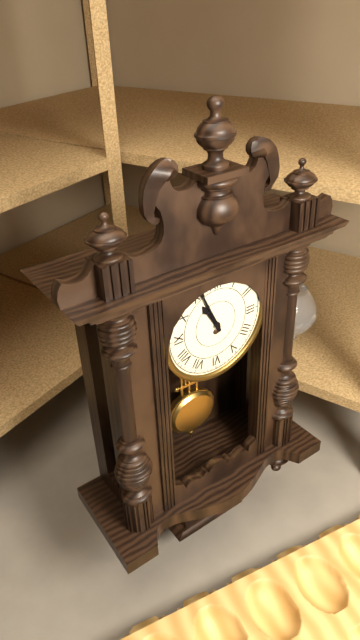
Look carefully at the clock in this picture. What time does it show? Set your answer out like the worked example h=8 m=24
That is h=10 m=56
